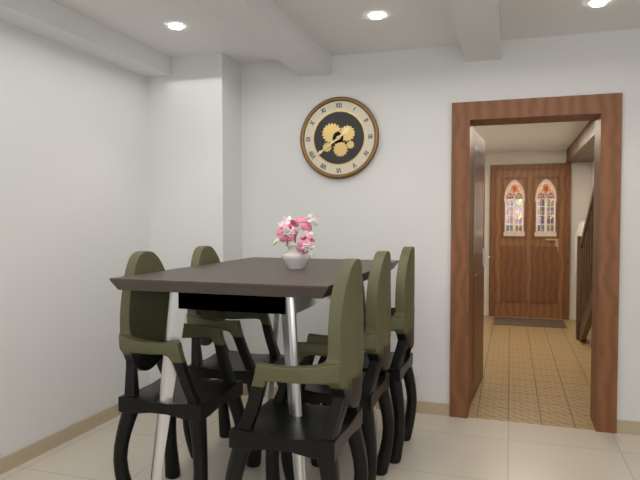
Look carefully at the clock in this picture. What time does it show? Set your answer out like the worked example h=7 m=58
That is h=1 m=39
